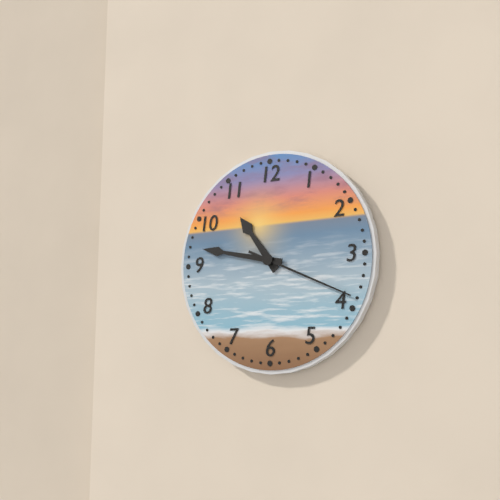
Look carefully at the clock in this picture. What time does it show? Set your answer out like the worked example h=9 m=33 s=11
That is h=10 m=47 s=19
